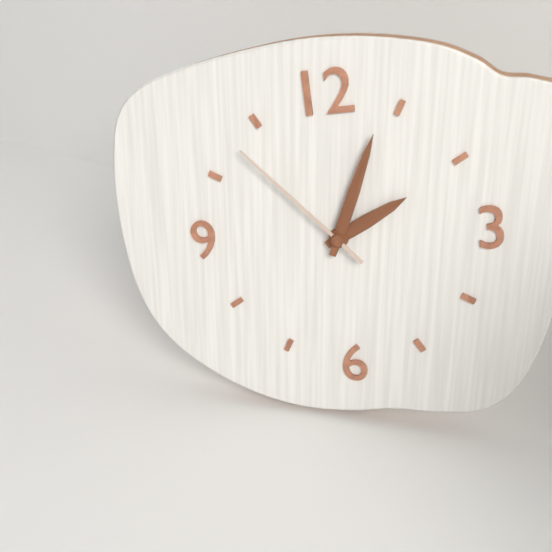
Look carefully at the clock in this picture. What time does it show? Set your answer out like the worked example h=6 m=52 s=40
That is h=2 m=4 s=53
